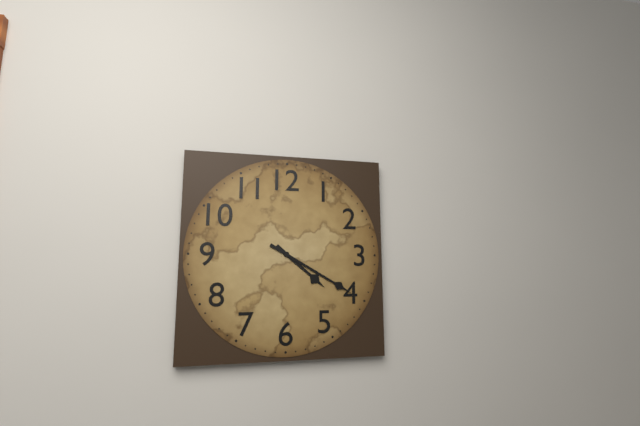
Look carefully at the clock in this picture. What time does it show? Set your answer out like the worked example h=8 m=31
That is h=4 m=20
